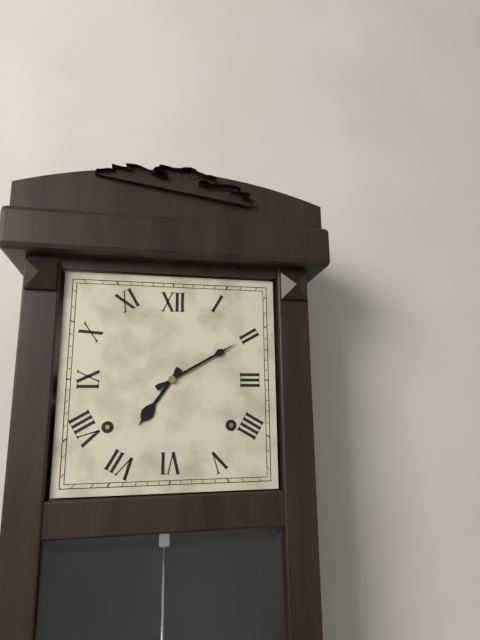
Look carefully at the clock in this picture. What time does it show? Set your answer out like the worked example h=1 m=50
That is h=7 m=10
